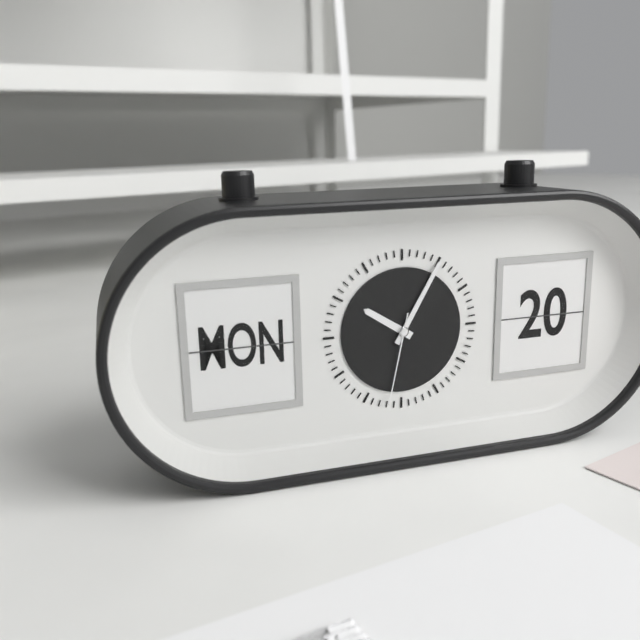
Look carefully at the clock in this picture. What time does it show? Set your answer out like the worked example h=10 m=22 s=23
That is h=10 m=5 s=32
